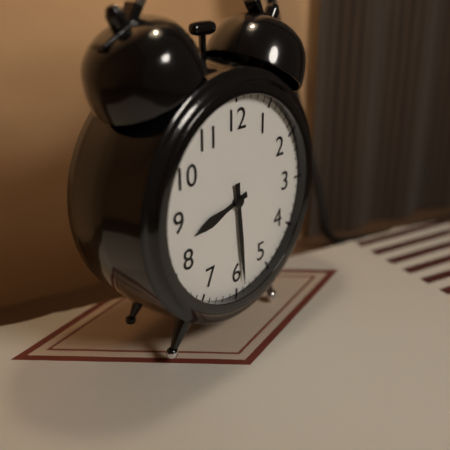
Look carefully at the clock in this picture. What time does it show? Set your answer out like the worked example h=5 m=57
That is h=8 m=29
